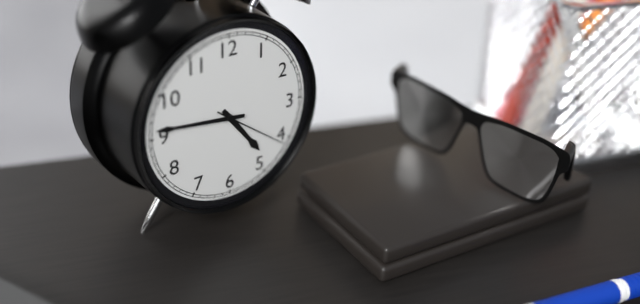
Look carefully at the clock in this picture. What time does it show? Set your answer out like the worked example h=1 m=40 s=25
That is h=4 m=46 s=21
